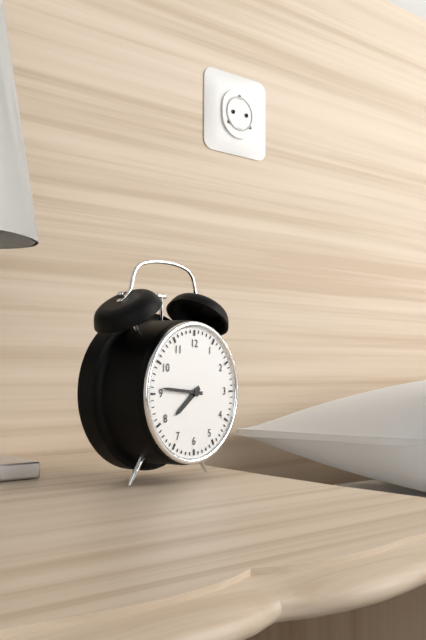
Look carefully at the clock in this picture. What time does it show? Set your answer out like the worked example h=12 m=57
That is h=7 m=46
